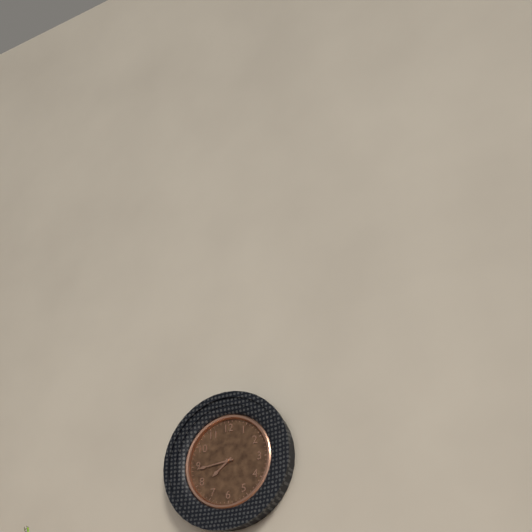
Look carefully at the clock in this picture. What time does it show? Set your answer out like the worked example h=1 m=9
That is h=7 m=44
